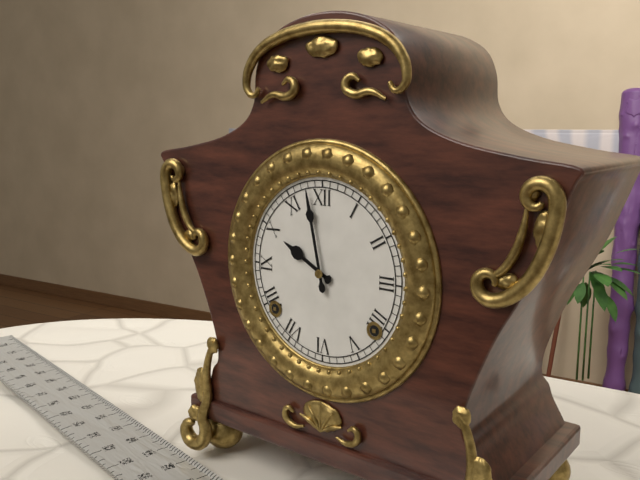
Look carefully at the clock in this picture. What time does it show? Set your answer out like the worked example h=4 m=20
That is h=9 m=58
